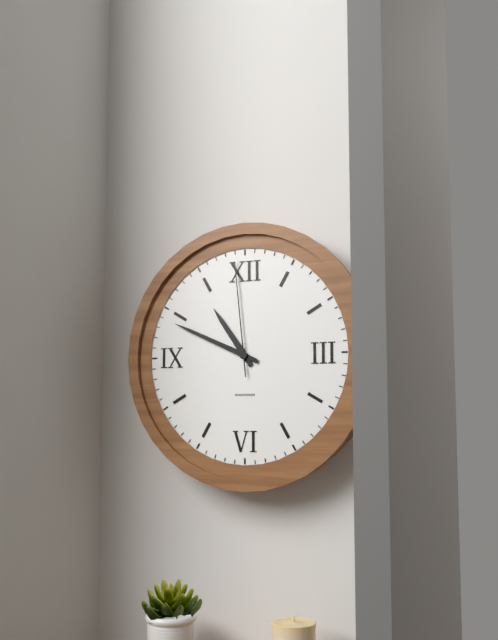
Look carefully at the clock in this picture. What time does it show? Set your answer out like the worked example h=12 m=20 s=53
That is h=10 m=49 s=59
